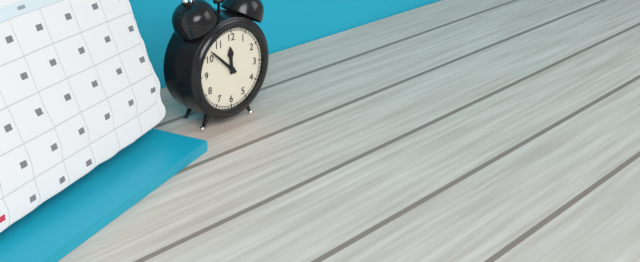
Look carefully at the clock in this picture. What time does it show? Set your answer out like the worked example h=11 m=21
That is h=11 m=52
